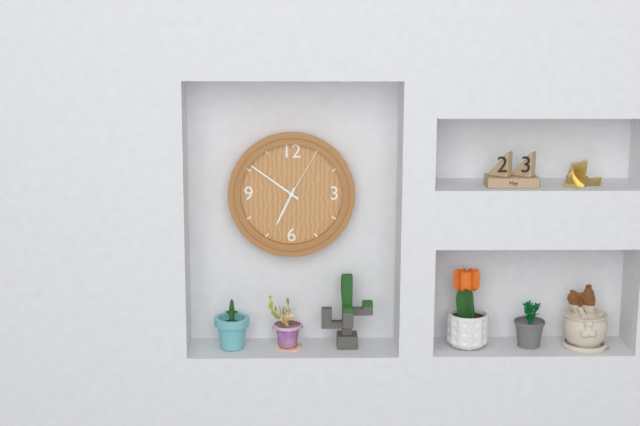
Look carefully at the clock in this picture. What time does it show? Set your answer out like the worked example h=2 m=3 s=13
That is h=6 m=51 s=5
